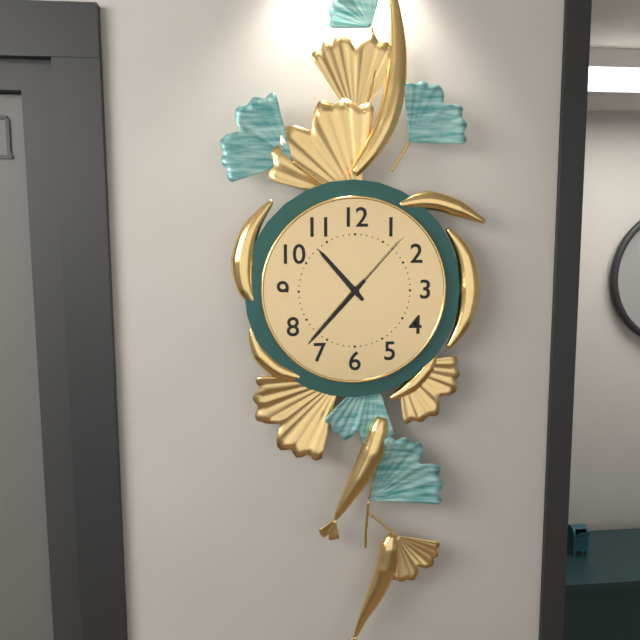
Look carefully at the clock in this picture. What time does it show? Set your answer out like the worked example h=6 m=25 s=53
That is h=10 m=37 s=7
